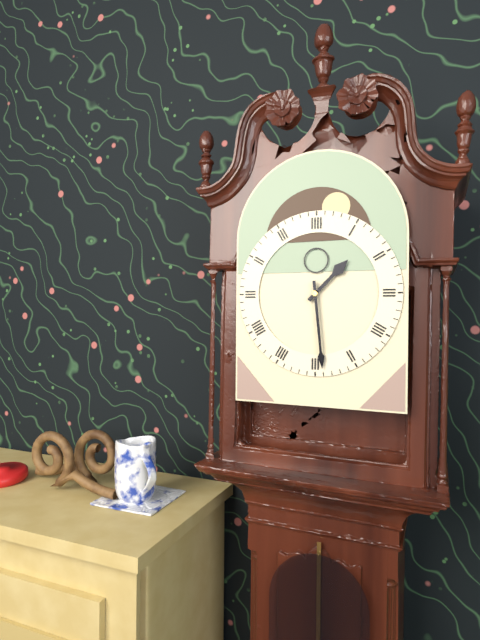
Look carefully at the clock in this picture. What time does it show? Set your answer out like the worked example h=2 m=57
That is h=1 m=29
